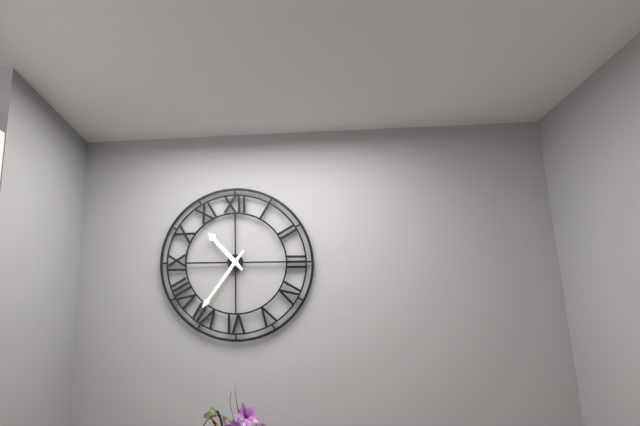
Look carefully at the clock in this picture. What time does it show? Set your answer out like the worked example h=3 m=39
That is h=10 m=36
